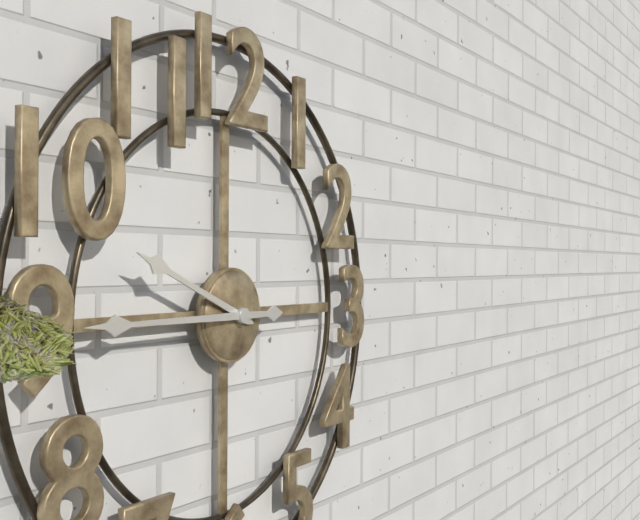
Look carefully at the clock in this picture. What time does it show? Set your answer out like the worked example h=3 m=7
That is h=9 m=45
